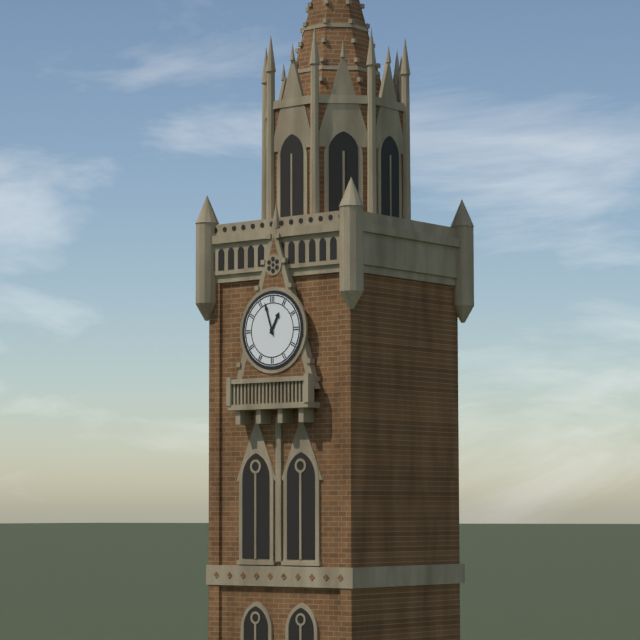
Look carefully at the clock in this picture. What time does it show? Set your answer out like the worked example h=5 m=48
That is h=12 m=57
